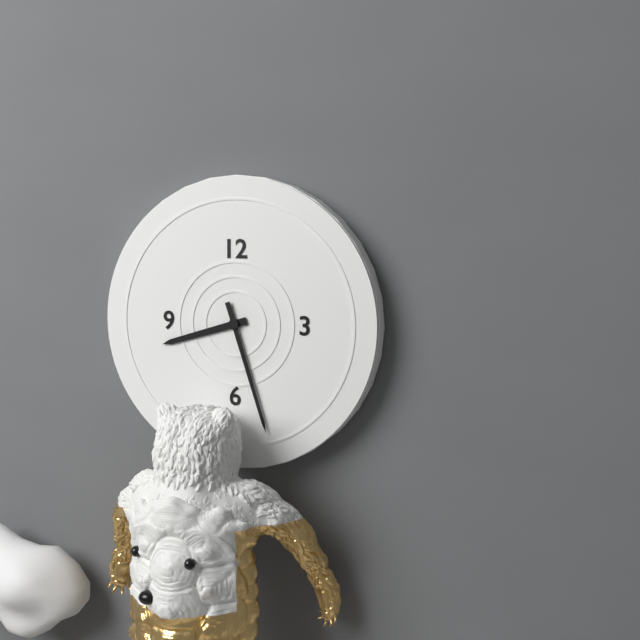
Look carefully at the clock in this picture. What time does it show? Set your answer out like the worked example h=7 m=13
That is h=8 m=27
